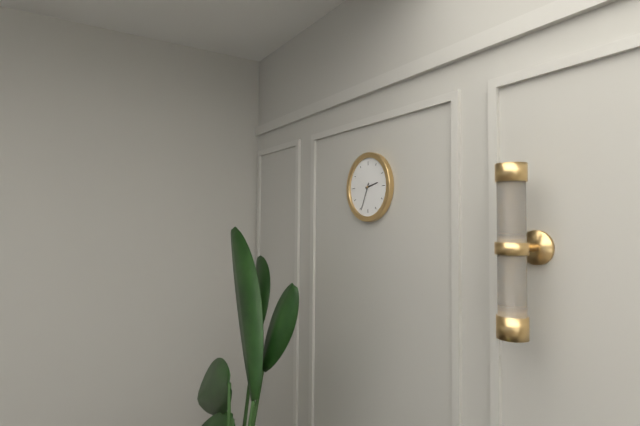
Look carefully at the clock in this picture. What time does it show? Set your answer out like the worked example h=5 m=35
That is h=2 m=34
